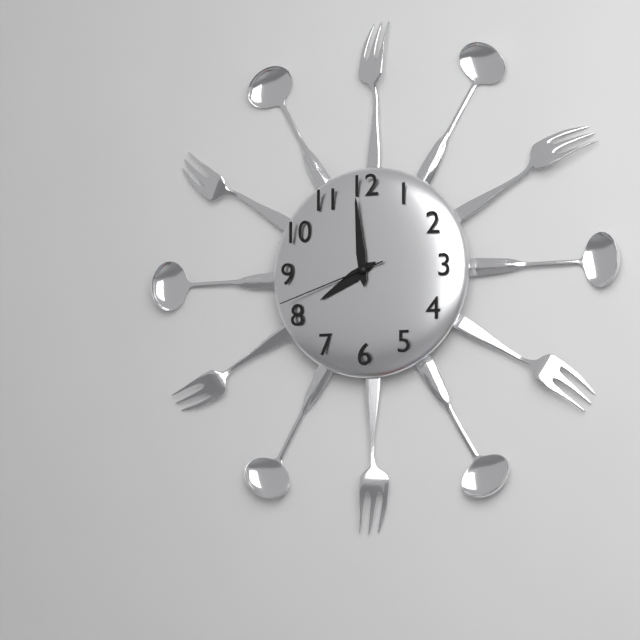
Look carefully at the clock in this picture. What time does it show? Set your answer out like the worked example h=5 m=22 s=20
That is h=7 m=59 s=42
